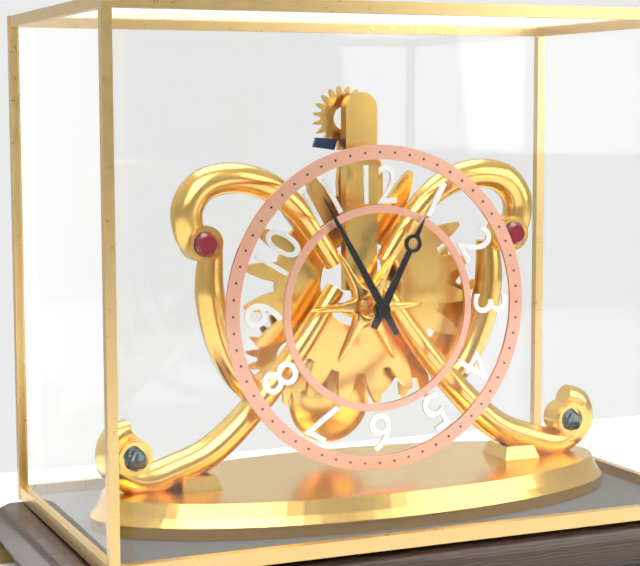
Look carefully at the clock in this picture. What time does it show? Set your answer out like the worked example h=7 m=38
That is h=12 m=55
